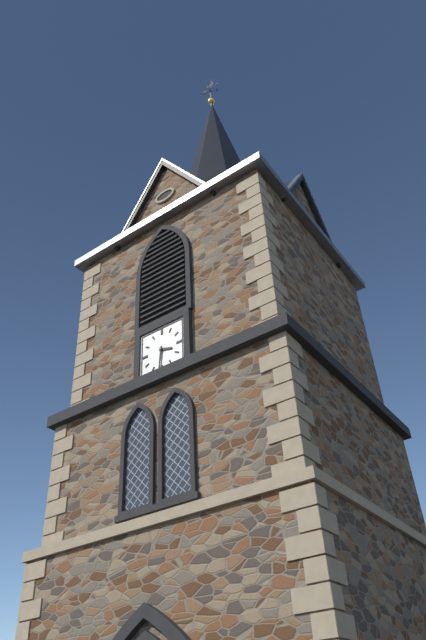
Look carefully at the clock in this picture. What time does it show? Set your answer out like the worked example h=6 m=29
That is h=3 m=31
